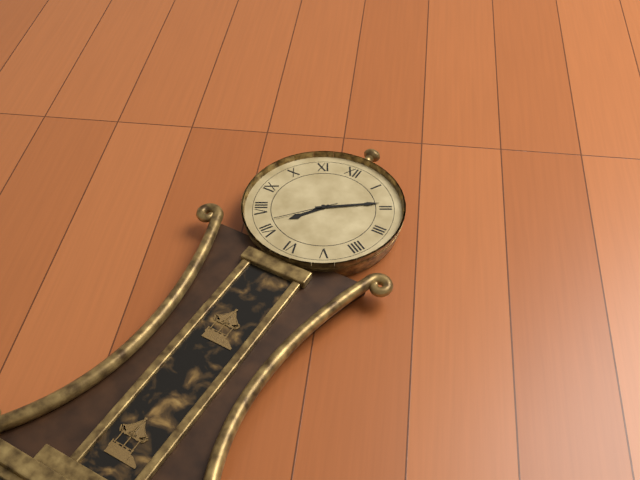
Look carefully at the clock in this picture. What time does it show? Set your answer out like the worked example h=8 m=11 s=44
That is h=7 m=9 s=37
